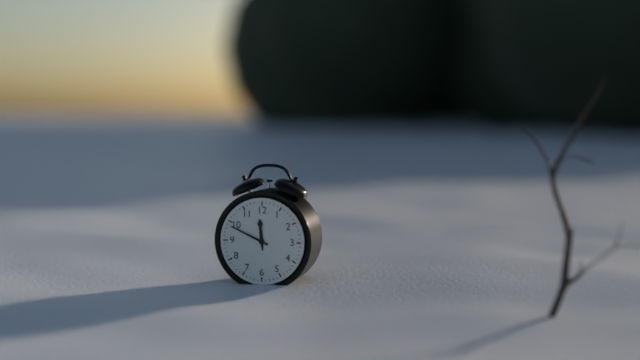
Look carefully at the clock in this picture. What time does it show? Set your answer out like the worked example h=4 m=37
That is h=11 m=49
